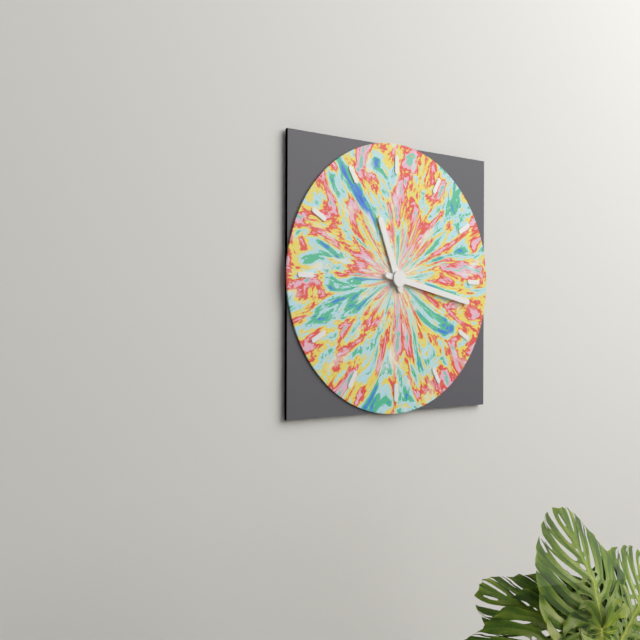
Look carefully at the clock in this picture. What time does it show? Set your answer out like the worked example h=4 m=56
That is h=11 m=17
